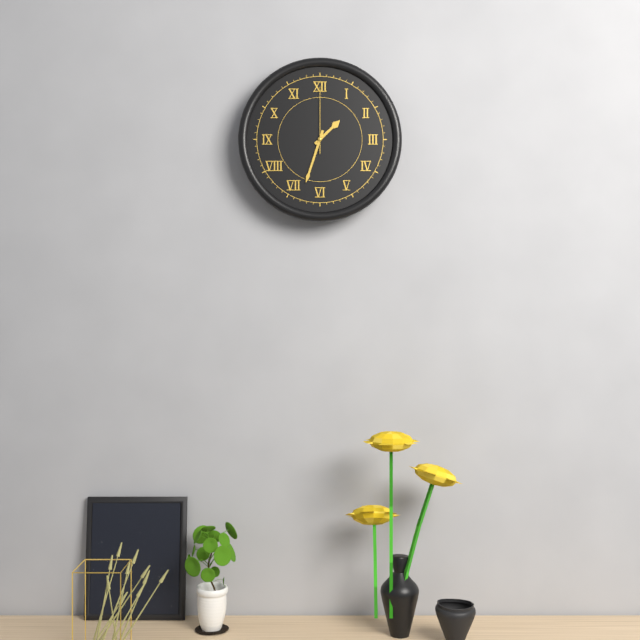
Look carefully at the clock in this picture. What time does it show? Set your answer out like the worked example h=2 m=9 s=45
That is h=1 m=33 s=0
